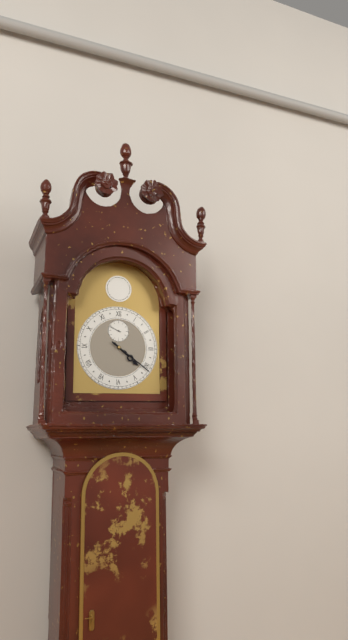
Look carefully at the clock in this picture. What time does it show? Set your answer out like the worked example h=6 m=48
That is h=4 m=21
